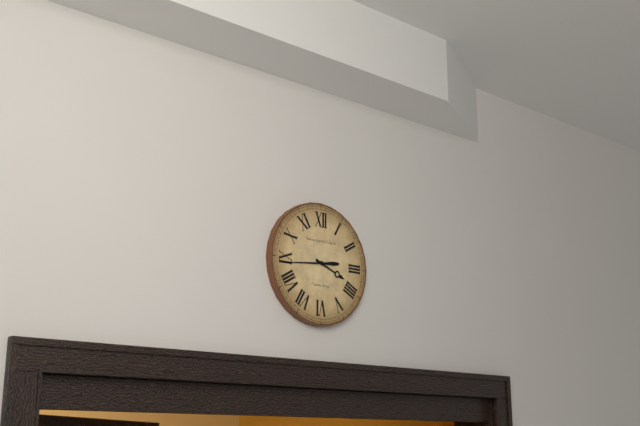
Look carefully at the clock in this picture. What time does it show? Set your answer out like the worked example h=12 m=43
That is h=3 m=44
